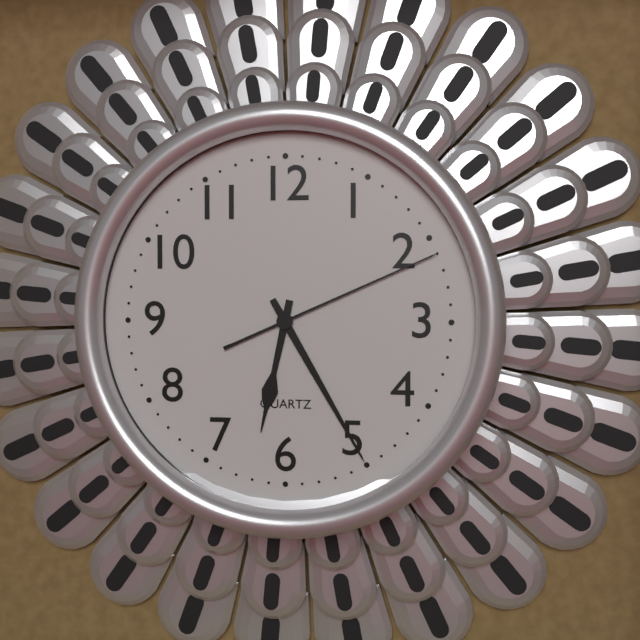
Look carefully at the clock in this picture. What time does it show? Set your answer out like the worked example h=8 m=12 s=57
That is h=6 m=25 s=11
